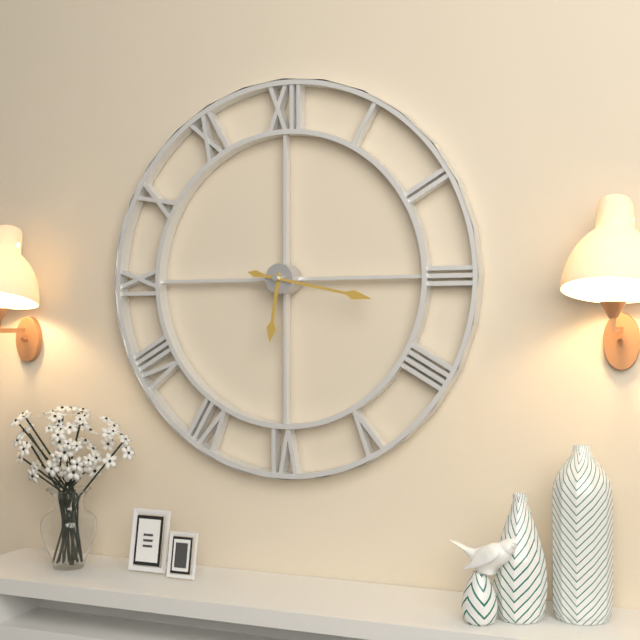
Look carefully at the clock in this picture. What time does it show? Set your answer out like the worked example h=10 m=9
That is h=6 m=17
